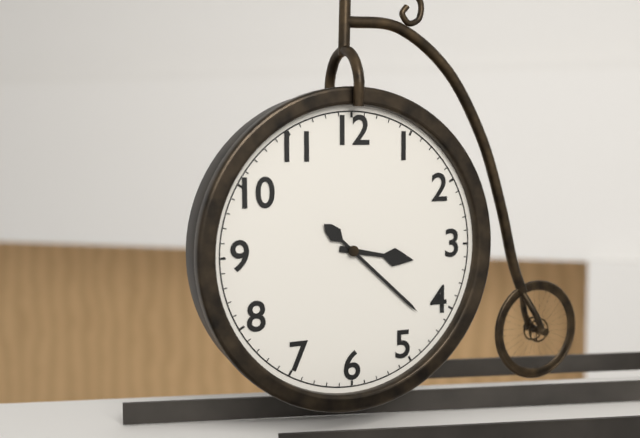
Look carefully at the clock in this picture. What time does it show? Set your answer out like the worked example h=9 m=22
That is h=3 m=22
